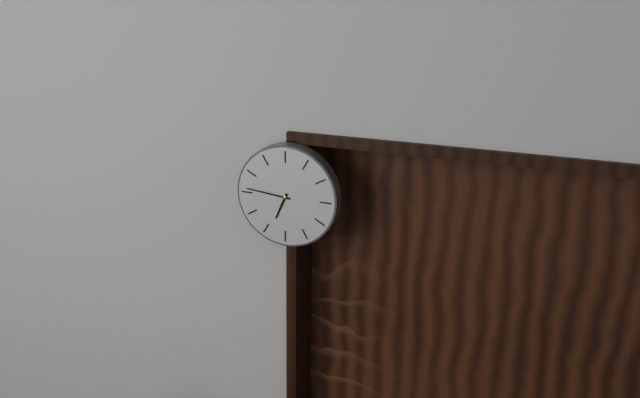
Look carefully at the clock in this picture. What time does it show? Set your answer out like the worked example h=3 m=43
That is h=6 m=46
